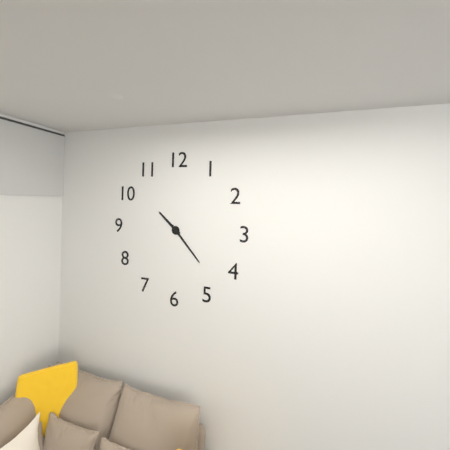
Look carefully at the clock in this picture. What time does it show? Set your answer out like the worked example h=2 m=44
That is h=10 m=23
